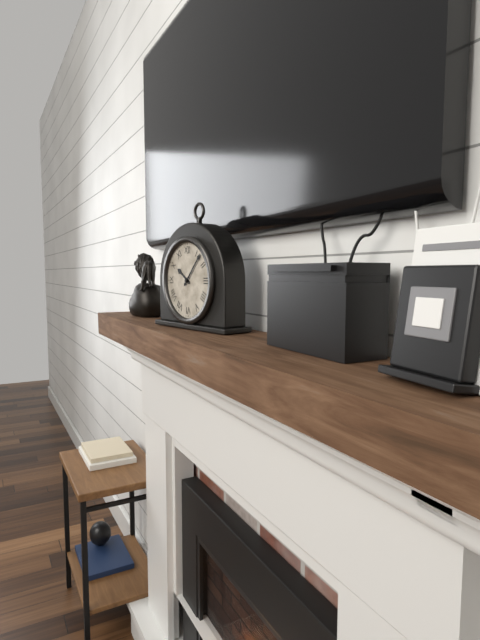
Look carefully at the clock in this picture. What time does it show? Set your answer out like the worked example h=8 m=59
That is h=10 m=7
